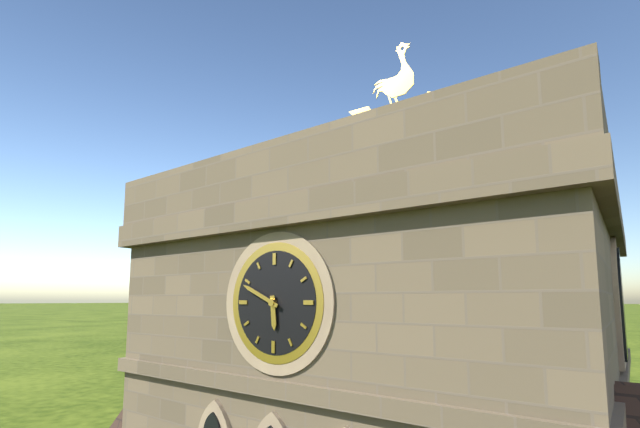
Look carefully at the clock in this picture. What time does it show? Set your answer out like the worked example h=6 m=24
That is h=5 m=49
